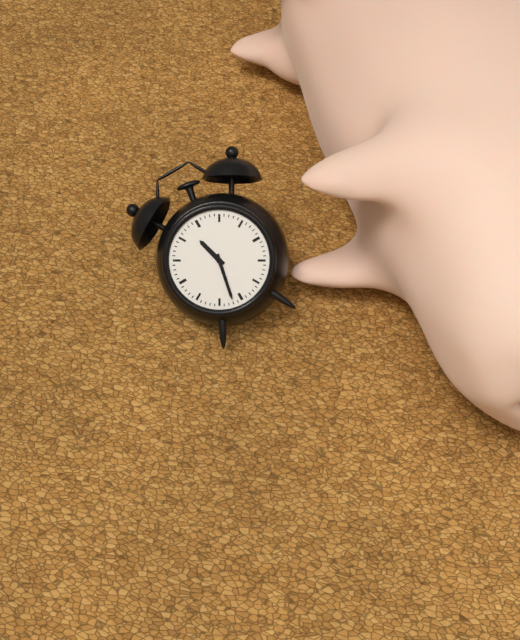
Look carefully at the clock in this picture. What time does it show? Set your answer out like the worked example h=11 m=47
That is h=11 m=32
